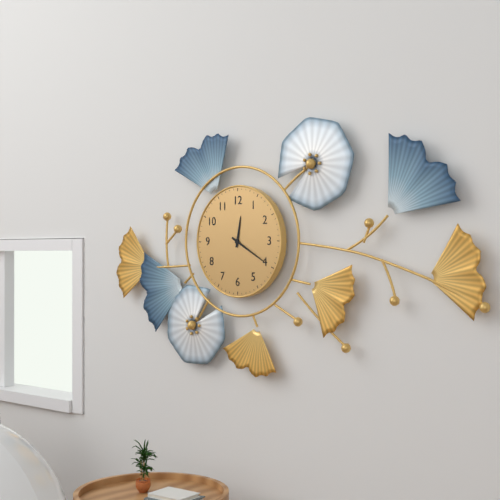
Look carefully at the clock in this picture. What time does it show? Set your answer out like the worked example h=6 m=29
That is h=12 m=20
